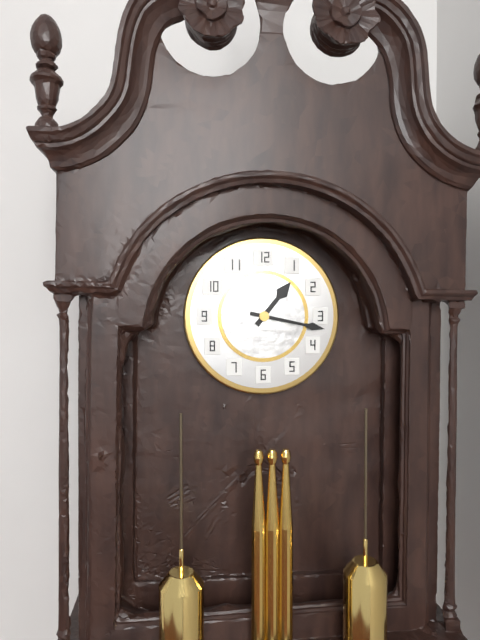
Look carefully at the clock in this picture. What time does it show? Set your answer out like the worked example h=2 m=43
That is h=1 m=17
